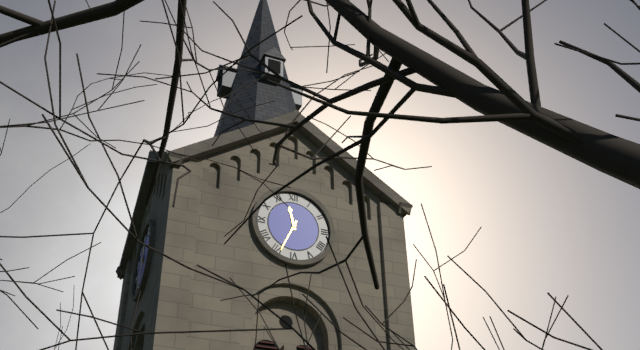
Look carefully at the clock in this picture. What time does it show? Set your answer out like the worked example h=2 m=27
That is h=11 m=34
